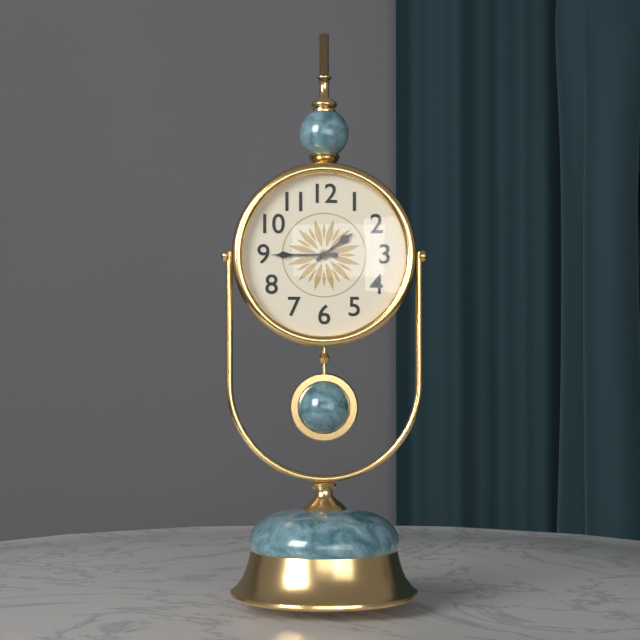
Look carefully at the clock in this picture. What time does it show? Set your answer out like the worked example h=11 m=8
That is h=1 m=45
